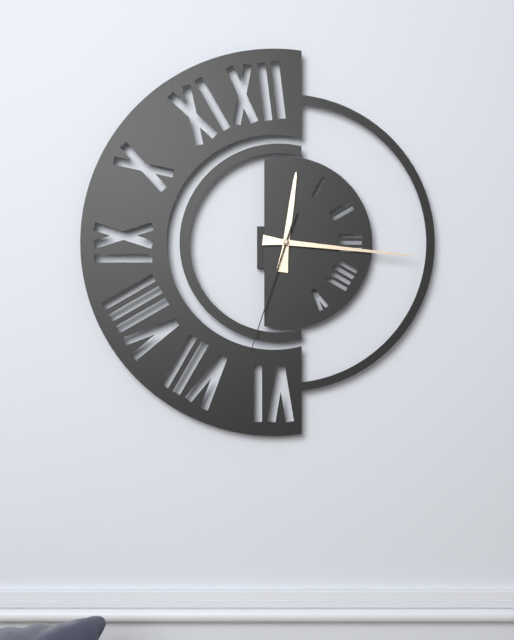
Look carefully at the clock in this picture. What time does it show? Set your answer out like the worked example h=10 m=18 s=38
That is h=12 m=16 s=33
